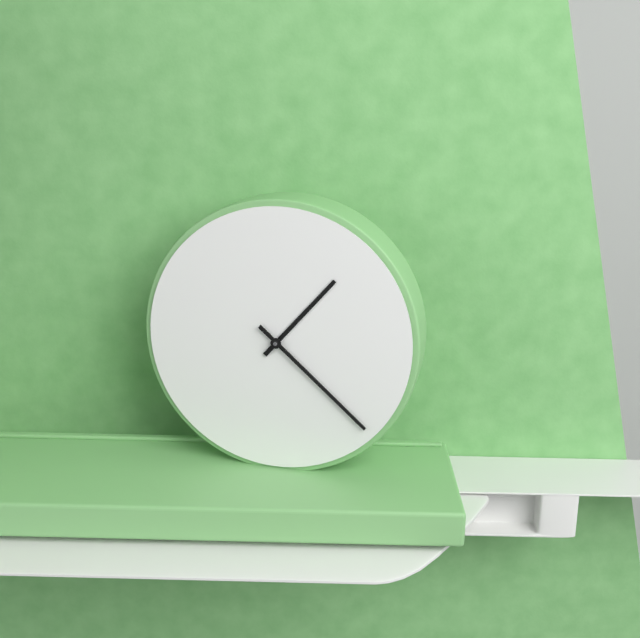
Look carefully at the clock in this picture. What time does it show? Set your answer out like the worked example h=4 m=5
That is h=1 m=22
